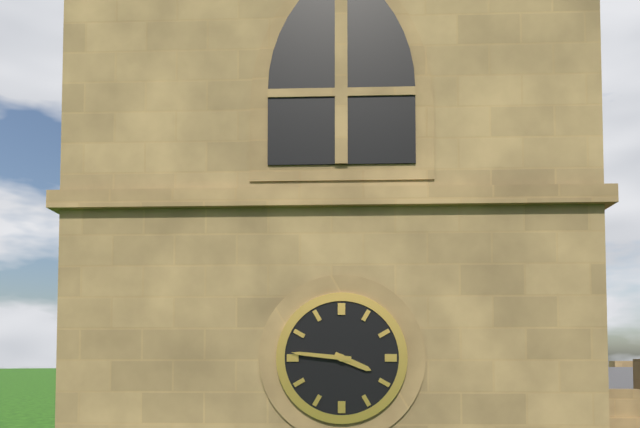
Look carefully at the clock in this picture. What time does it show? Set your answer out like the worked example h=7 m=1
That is h=3 m=46
